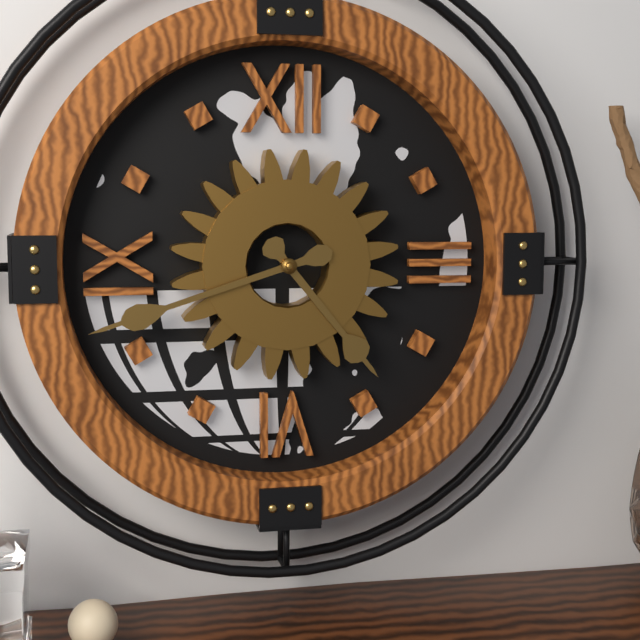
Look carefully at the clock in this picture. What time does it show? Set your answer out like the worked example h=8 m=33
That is h=4 m=42
